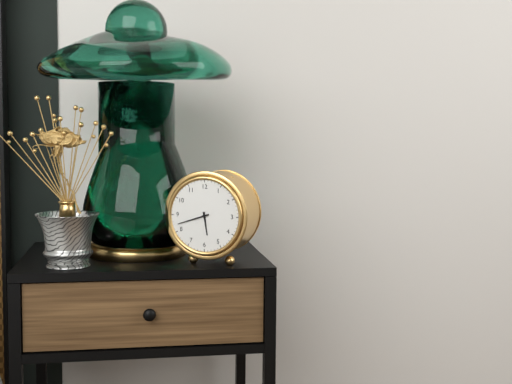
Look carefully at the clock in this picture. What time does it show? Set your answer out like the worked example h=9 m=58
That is h=5 m=42
